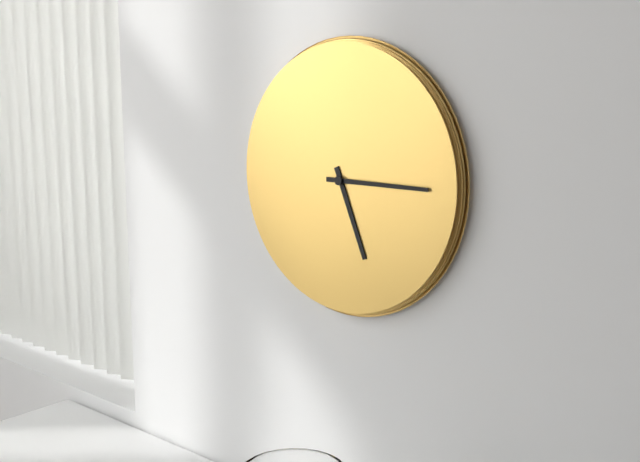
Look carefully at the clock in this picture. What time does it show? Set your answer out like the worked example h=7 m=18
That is h=5 m=15
